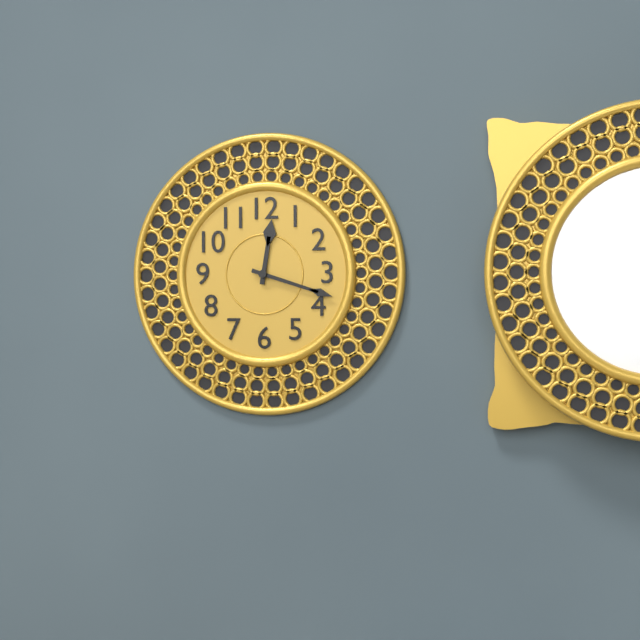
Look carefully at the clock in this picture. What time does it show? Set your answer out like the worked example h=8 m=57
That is h=12 m=18
